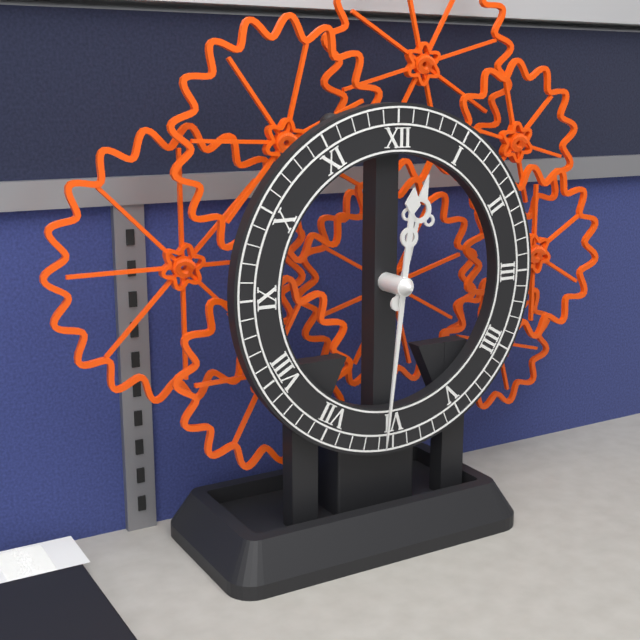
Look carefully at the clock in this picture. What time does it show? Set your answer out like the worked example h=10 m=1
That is h=12 m=31
